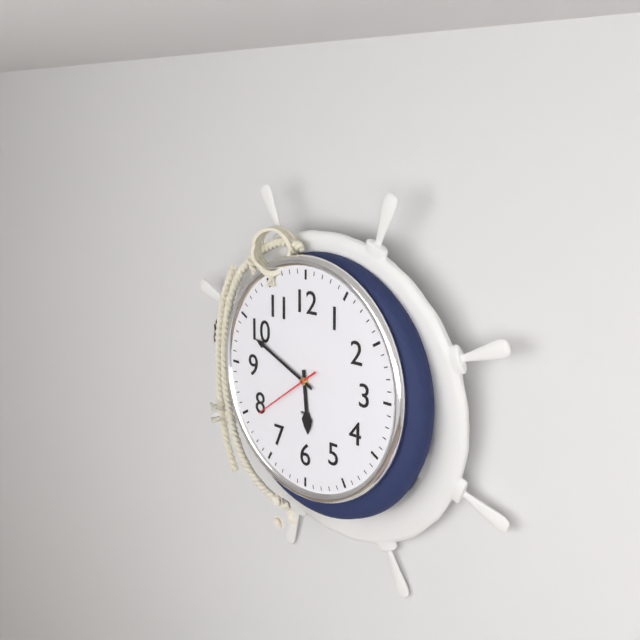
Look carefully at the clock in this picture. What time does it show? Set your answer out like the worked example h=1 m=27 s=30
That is h=5 m=49 s=39
